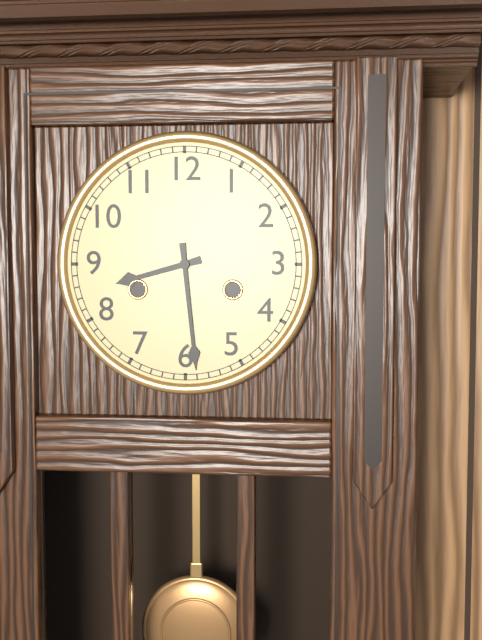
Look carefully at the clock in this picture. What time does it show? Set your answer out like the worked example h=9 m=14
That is h=8 m=29
